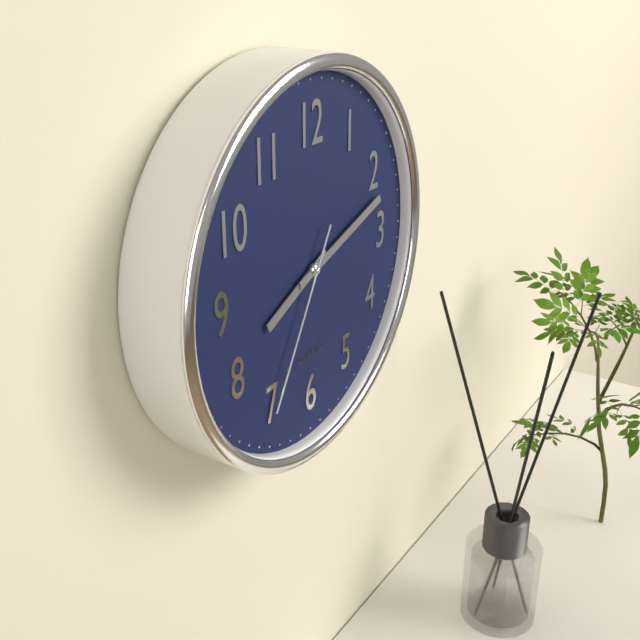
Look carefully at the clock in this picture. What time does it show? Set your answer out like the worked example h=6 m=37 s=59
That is h=8 m=12 s=35
